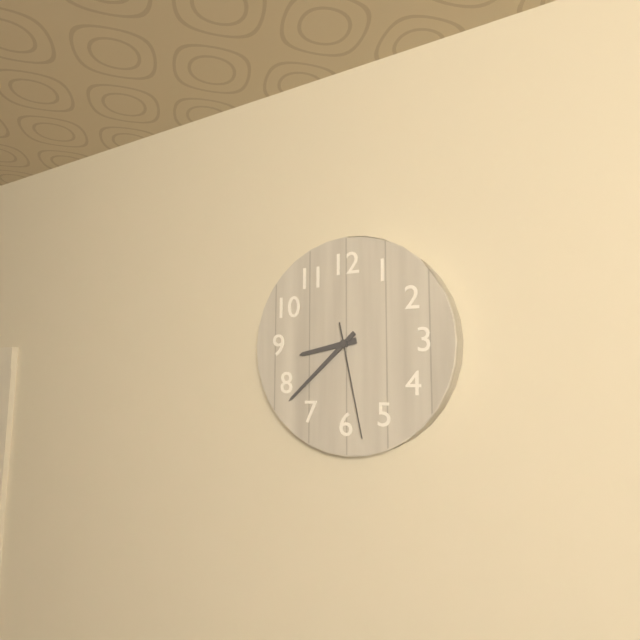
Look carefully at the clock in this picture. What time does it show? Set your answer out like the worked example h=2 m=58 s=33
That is h=8 m=38 s=28
